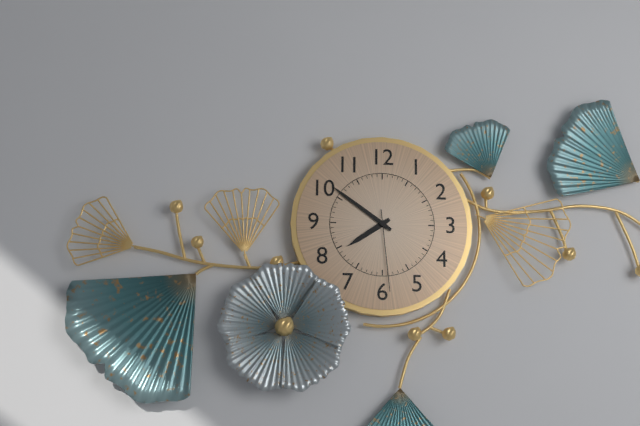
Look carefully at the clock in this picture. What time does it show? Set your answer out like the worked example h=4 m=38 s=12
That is h=7 m=51 s=29
